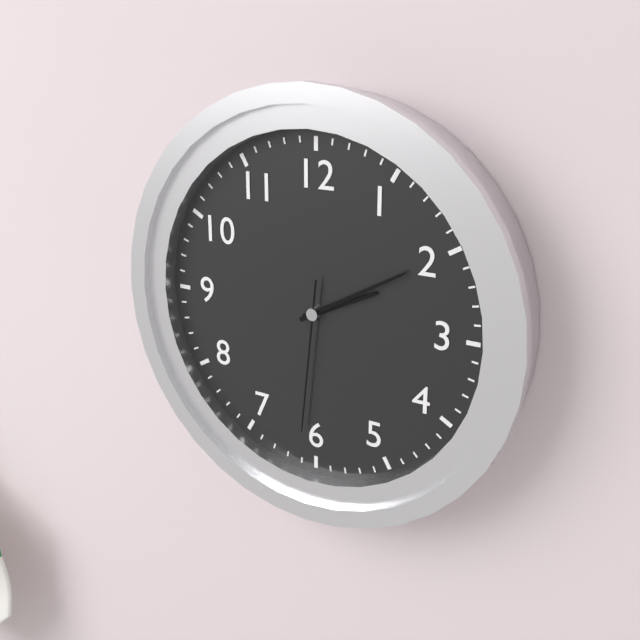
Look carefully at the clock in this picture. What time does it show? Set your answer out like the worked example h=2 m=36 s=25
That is h=2 m=10 s=31
